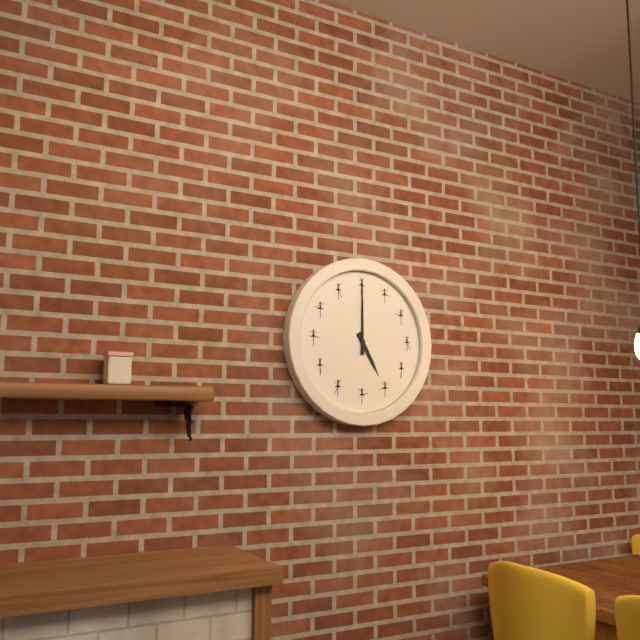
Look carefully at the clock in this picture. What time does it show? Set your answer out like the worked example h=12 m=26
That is h=5 m=0
